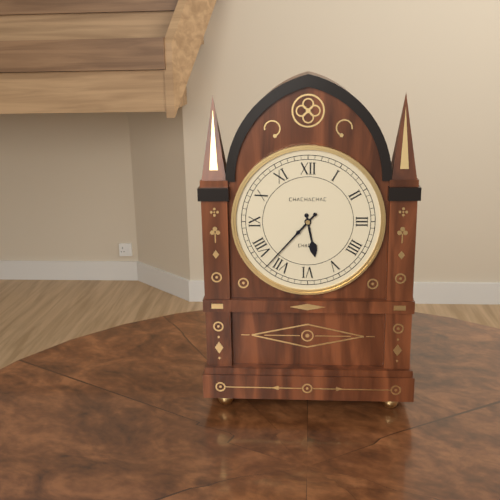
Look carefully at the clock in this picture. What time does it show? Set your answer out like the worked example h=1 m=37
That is h=5 m=37
